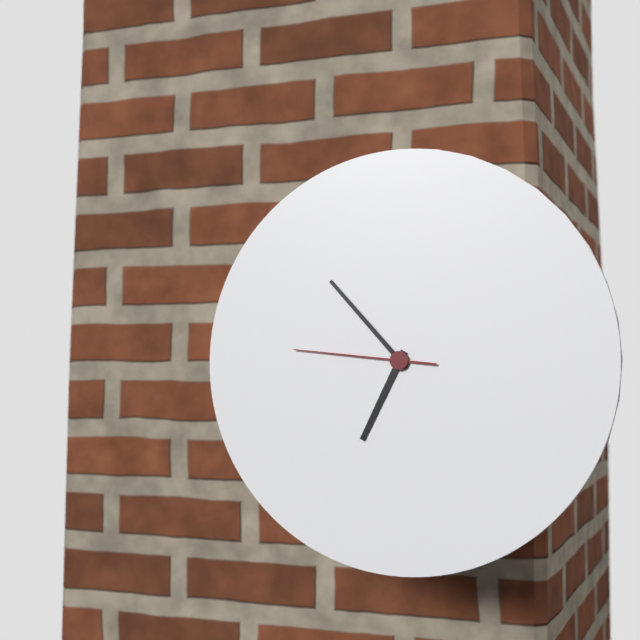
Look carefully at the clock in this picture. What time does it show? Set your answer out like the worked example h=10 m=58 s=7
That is h=6 m=53 s=46
